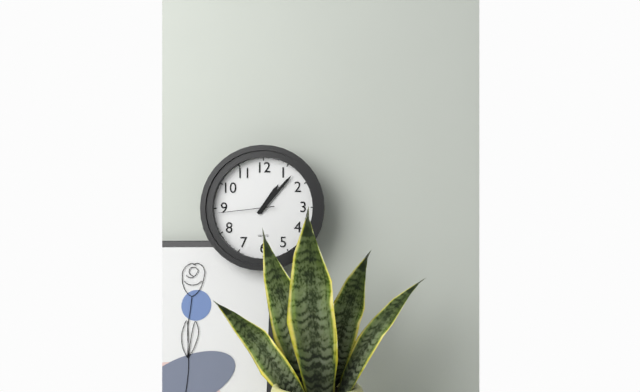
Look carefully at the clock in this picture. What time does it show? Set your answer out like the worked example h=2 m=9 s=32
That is h=1 m=7 s=44
